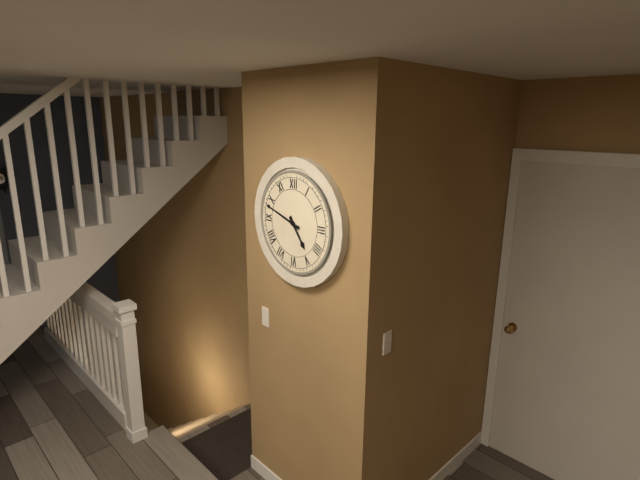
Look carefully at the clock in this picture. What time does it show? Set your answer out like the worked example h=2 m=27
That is h=4 m=48
